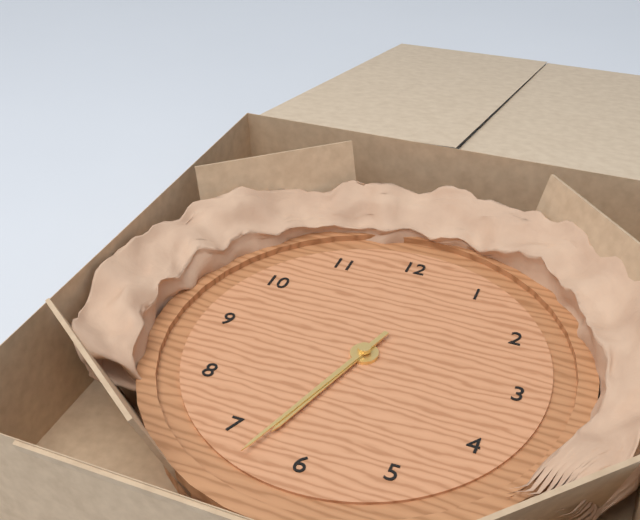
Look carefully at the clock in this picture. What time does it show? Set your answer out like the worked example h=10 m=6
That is h=6 m=33
